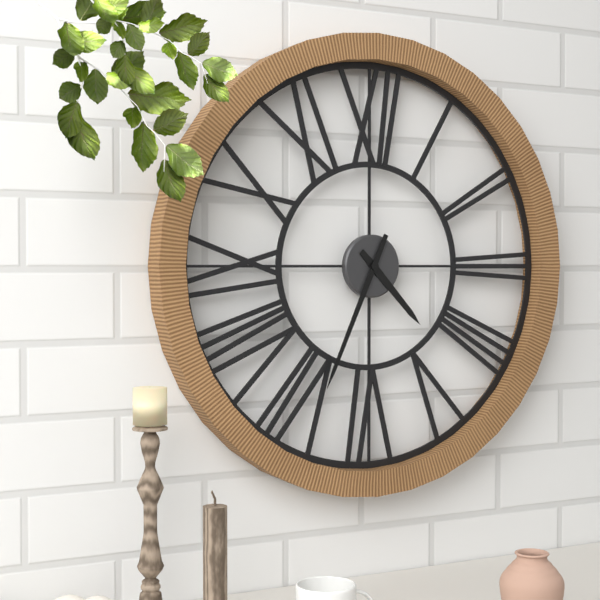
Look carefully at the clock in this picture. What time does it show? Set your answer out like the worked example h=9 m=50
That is h=4 m=34
